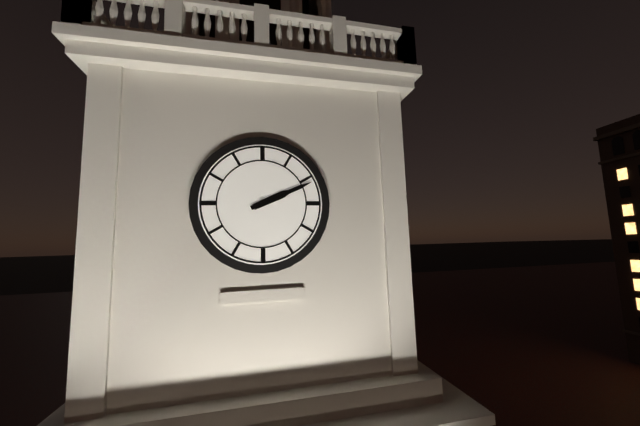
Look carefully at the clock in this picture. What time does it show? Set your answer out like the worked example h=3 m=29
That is h=2 m=11
